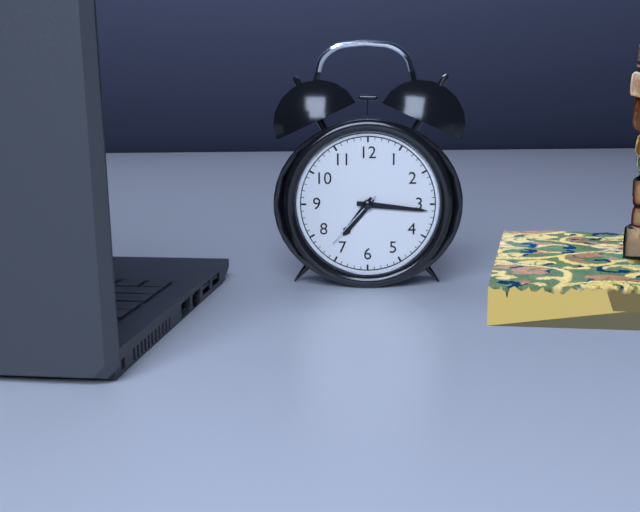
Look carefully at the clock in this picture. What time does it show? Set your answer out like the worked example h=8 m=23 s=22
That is h=7 m=16 s=37
